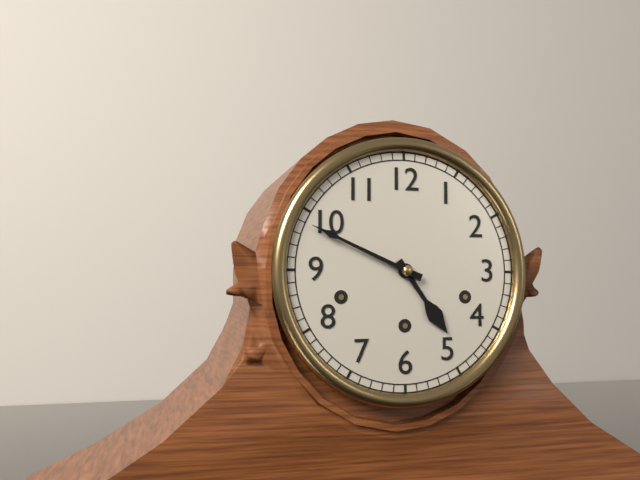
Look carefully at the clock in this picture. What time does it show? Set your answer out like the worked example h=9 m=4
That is h=4 m=49
